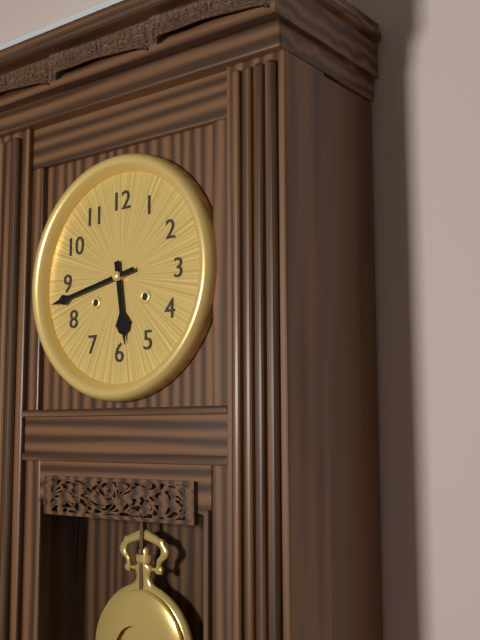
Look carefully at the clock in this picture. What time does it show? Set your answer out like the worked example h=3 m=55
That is h=5 m=43
